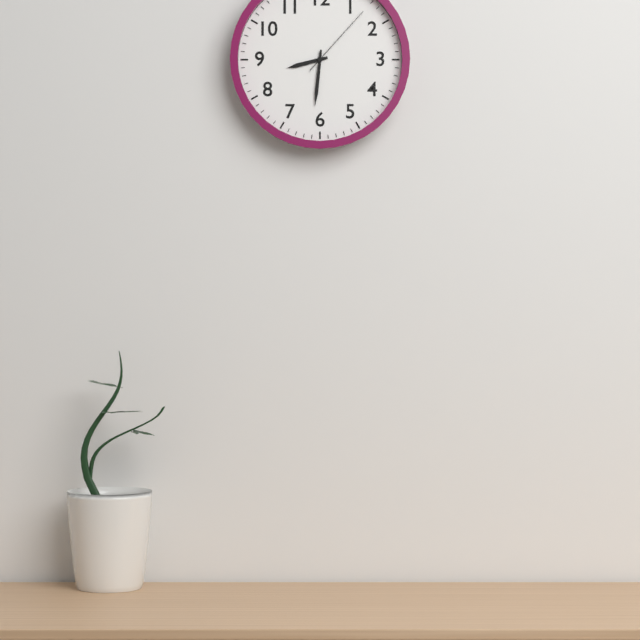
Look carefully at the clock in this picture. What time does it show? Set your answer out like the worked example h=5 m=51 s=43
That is h=8 m=31 s=7
